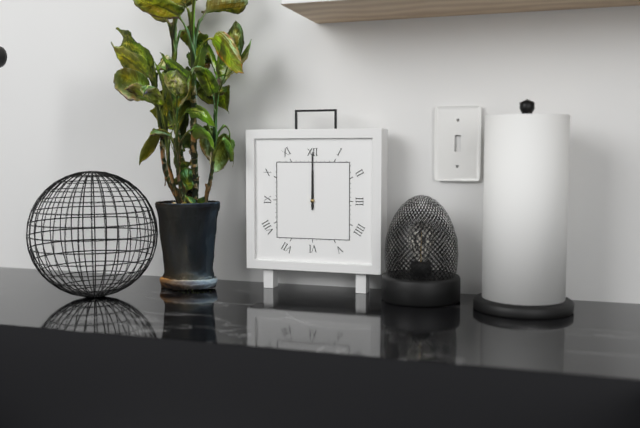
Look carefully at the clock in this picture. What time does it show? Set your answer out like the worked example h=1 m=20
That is h=12 m=0
